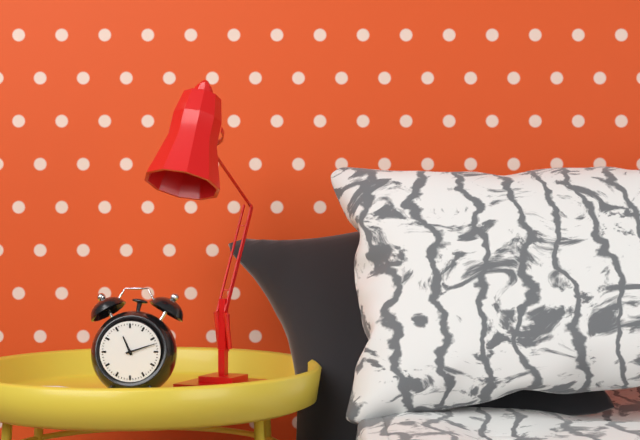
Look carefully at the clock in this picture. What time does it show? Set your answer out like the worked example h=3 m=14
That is h=11 m=12
